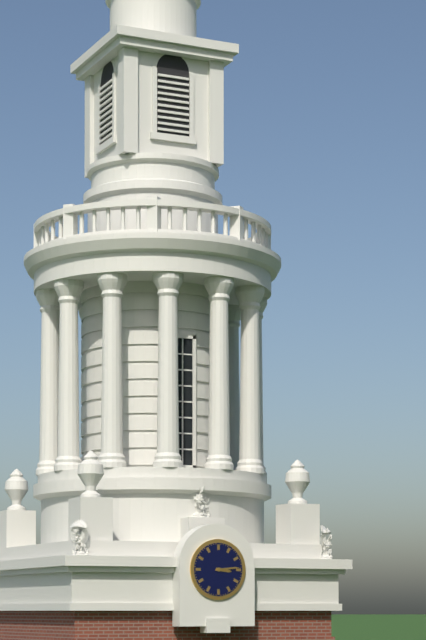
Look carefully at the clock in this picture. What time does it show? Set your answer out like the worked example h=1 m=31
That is h=3 m=14
